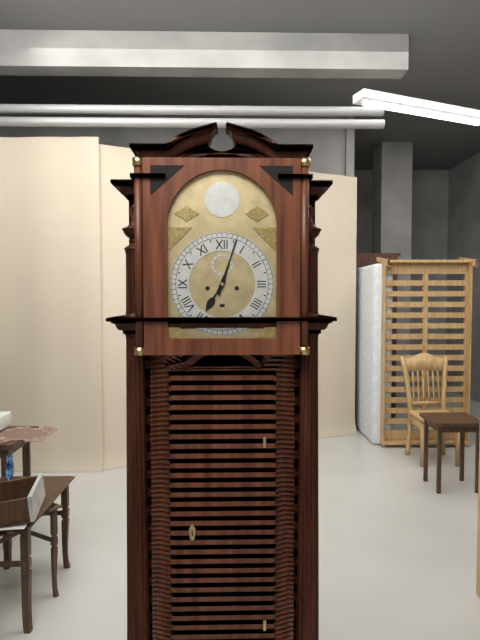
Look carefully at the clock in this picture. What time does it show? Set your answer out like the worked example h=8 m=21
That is h=7 m=3
